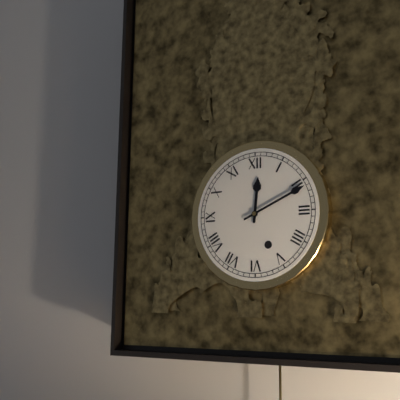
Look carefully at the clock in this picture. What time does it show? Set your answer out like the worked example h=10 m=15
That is h=12 m=11
